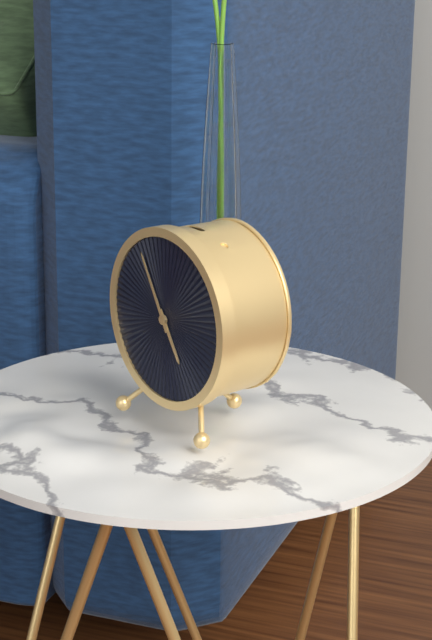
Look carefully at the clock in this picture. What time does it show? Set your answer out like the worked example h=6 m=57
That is h=4 m=55
